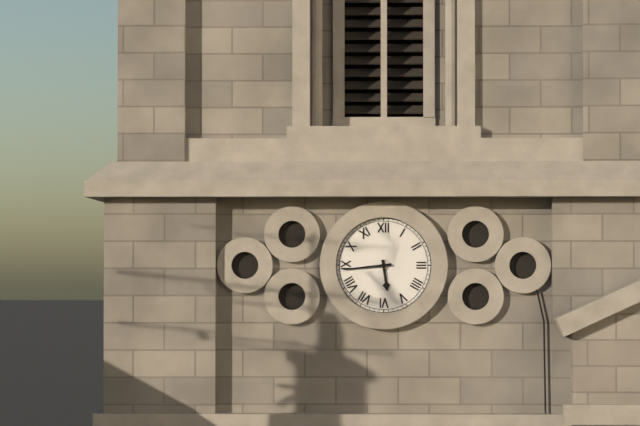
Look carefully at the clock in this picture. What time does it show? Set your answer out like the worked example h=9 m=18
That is h=5 m=44
